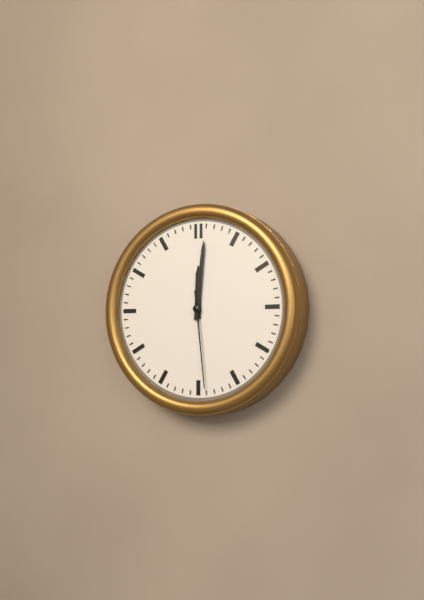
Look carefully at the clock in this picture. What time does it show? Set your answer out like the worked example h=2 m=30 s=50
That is h=12 m=1 s=29
